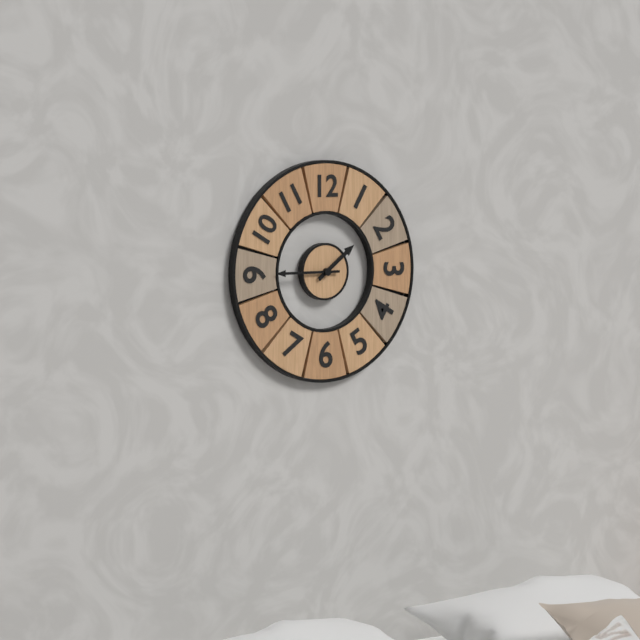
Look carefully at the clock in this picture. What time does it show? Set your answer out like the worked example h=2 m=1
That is h=1 m=45
